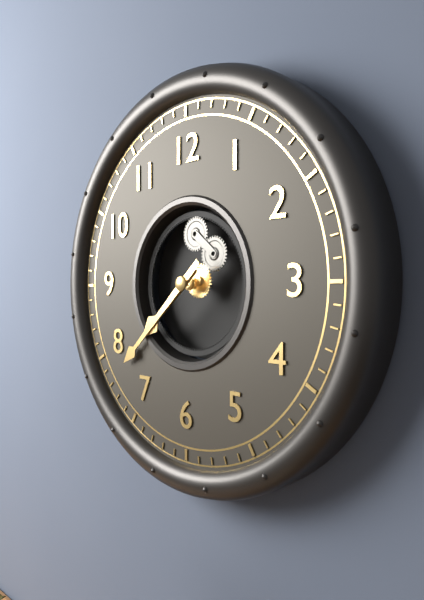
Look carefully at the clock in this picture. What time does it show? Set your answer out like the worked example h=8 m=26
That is h=7 m=38
